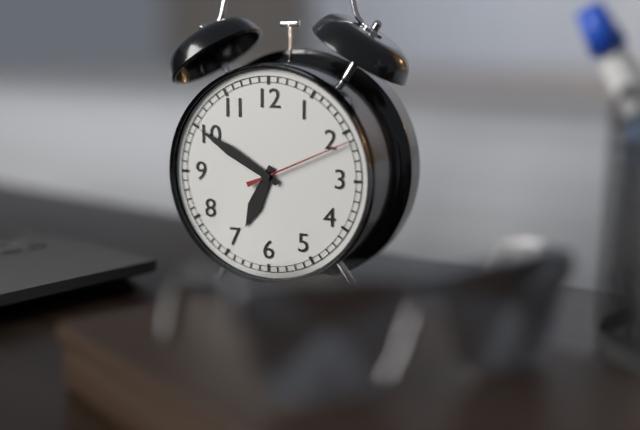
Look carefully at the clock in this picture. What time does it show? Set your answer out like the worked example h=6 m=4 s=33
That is h=6 m=50 s=11
